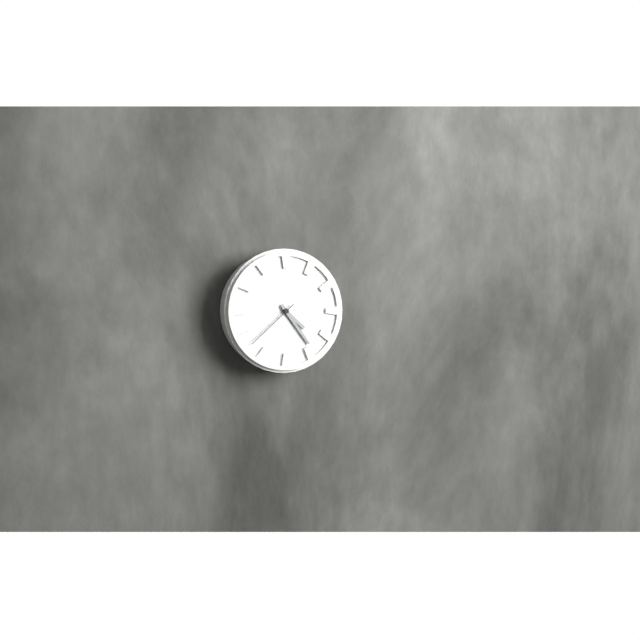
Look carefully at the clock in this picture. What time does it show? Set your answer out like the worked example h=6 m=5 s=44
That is h=4 m=24 s=38
